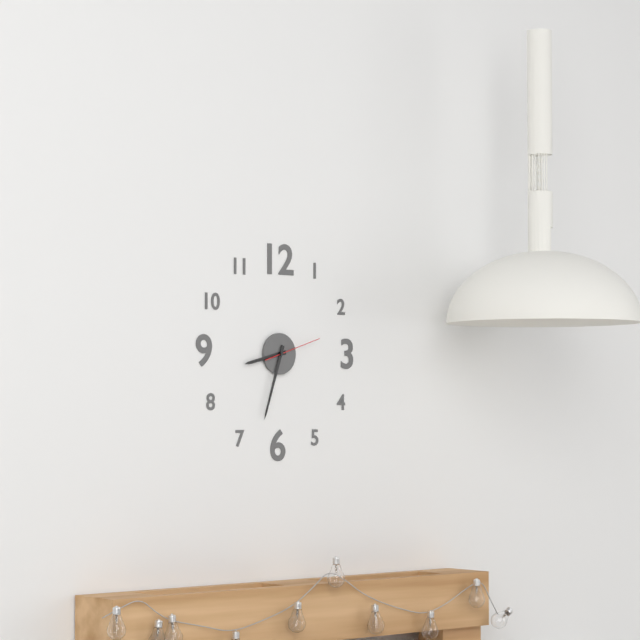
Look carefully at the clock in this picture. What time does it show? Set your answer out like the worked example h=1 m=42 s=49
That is h=8 m=33 s=12
